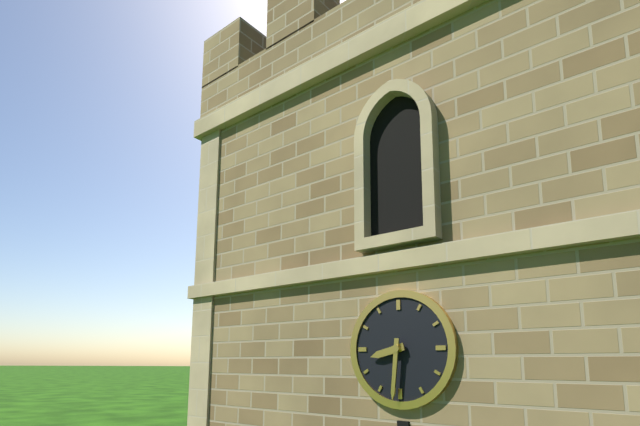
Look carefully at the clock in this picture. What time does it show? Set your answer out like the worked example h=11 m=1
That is h=8 m=31
